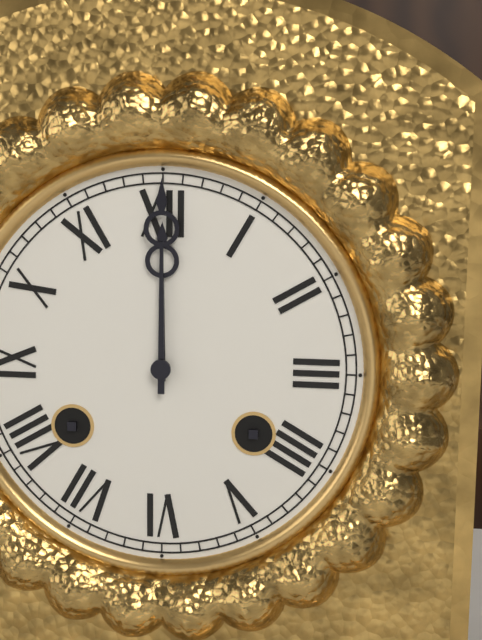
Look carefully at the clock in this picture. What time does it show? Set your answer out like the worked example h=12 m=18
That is h=12 m=0
